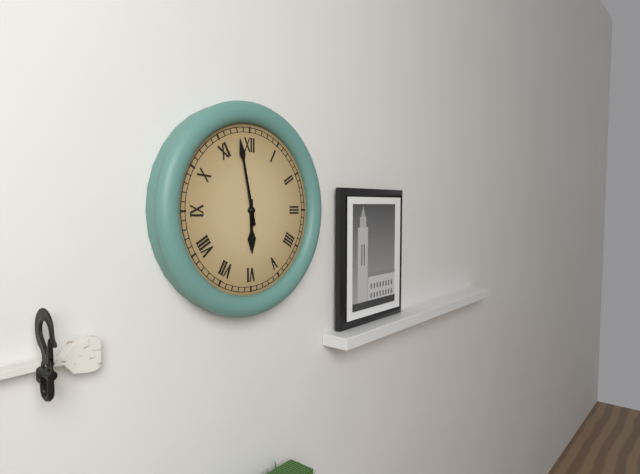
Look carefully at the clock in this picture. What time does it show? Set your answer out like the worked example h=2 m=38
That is h=5 m=58
